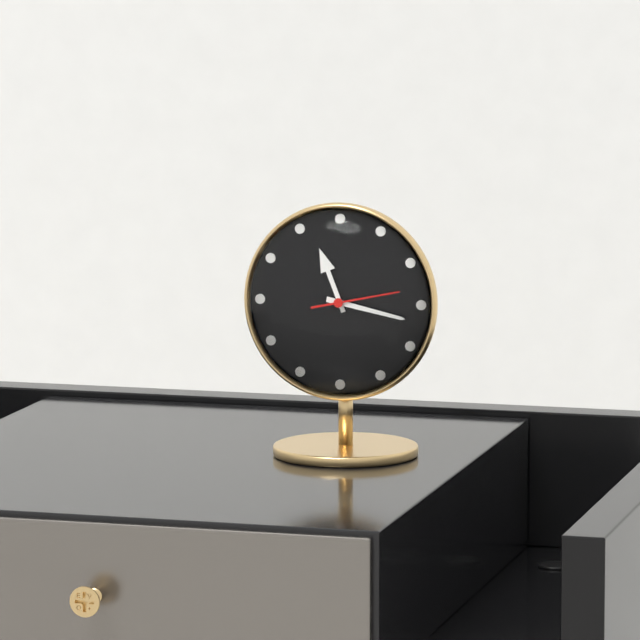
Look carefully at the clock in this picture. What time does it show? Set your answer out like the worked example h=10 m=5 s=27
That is h=11 m=17 s=13
